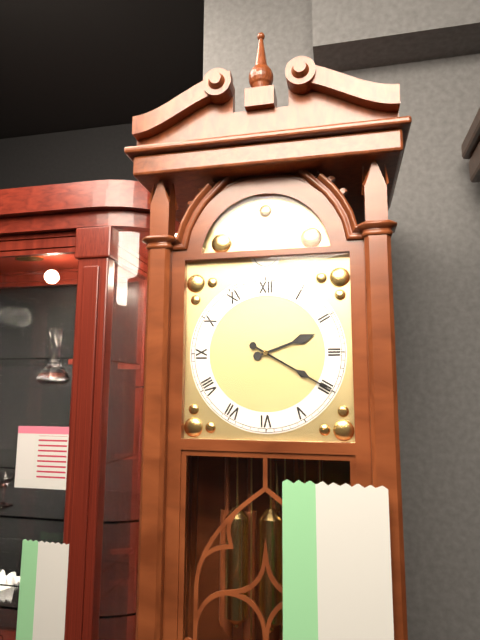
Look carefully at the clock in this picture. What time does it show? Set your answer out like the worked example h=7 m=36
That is h=2 m=20
